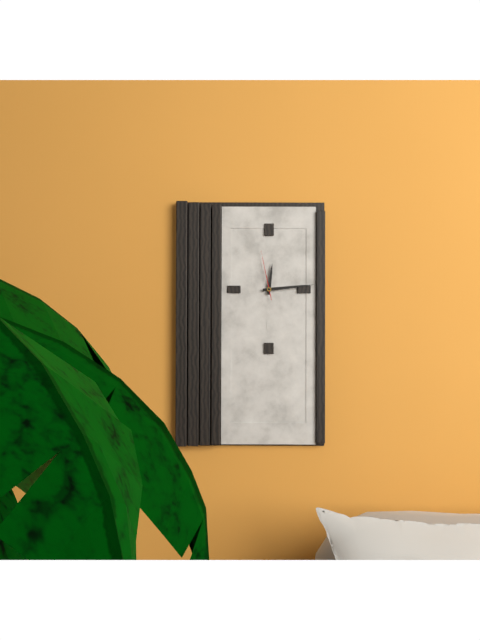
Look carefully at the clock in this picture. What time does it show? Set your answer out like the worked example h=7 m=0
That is h=12 m=14
